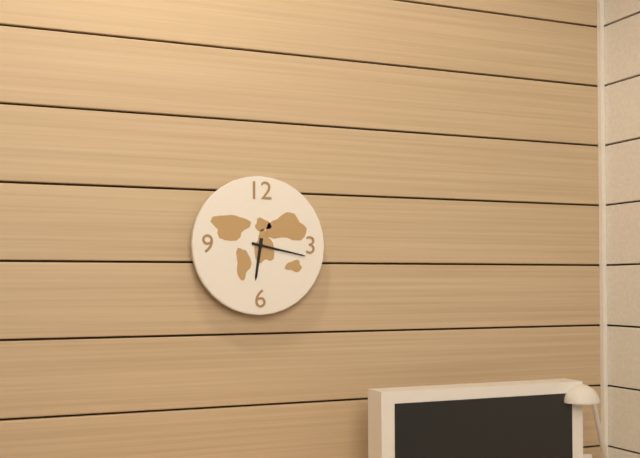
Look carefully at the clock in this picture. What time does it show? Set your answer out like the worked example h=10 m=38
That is h=6 m=17
